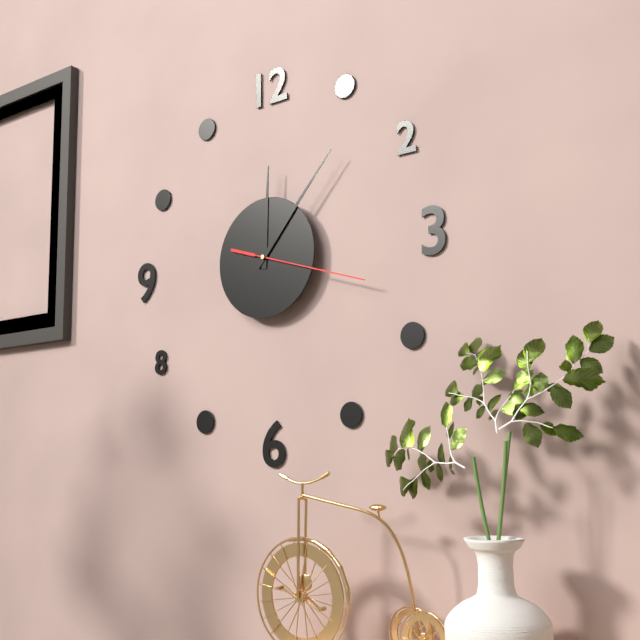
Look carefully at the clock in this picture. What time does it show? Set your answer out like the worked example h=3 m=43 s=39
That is h=12 m=7 s=18
